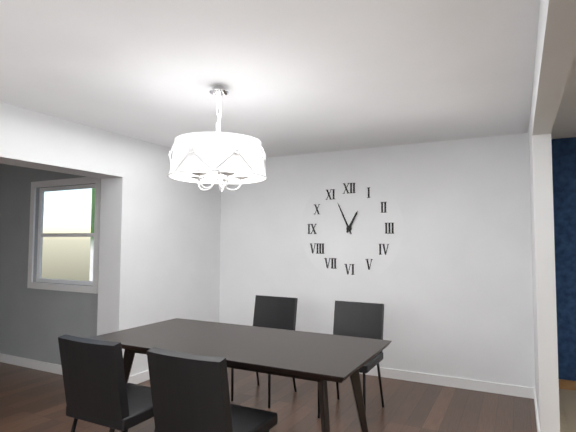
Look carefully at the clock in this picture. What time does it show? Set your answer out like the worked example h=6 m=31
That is h=12 m=56
